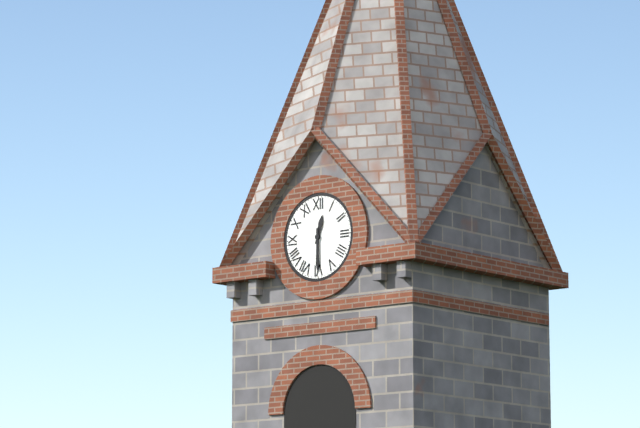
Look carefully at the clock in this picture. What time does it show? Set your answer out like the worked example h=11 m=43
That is h=12 m=30
